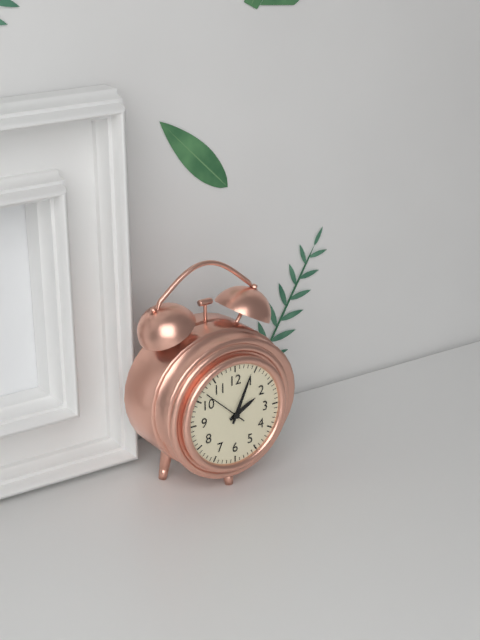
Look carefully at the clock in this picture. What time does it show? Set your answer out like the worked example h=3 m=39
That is h=2 m=4
